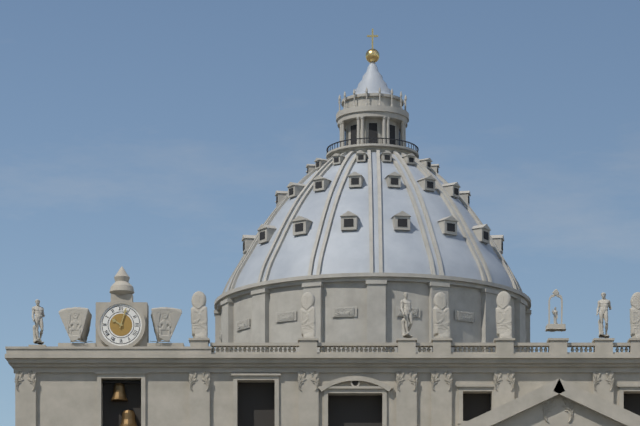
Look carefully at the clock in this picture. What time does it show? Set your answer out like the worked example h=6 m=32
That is h=10 m=3
